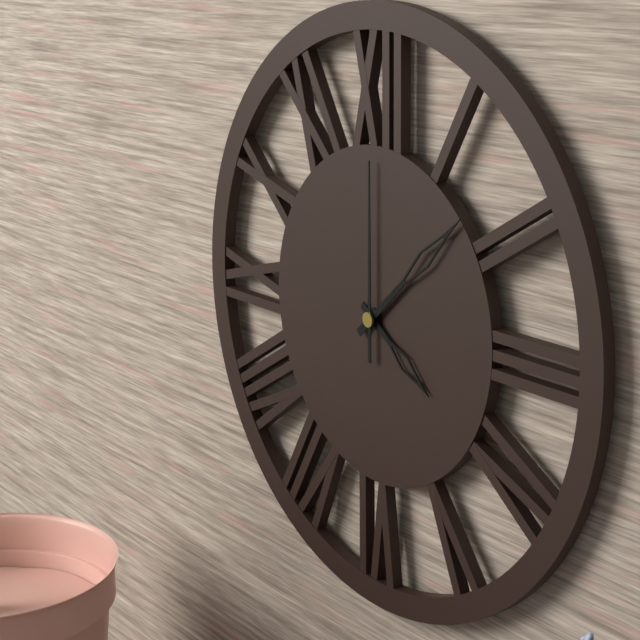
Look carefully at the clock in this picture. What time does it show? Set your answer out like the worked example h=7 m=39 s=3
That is h=4 m=8 s=0
